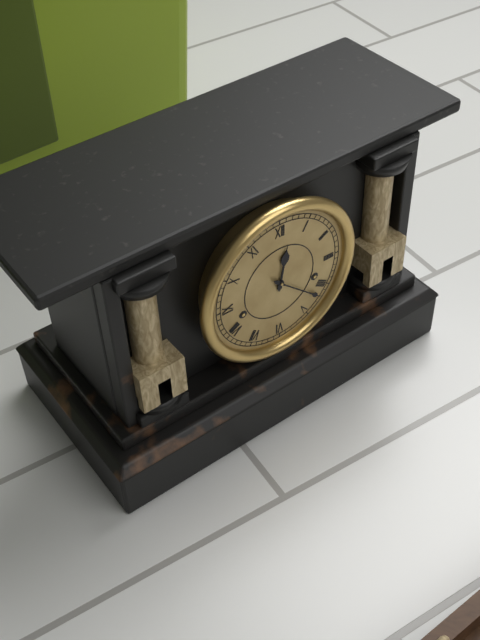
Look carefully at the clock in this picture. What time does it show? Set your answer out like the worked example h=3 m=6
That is h=12 m=22
